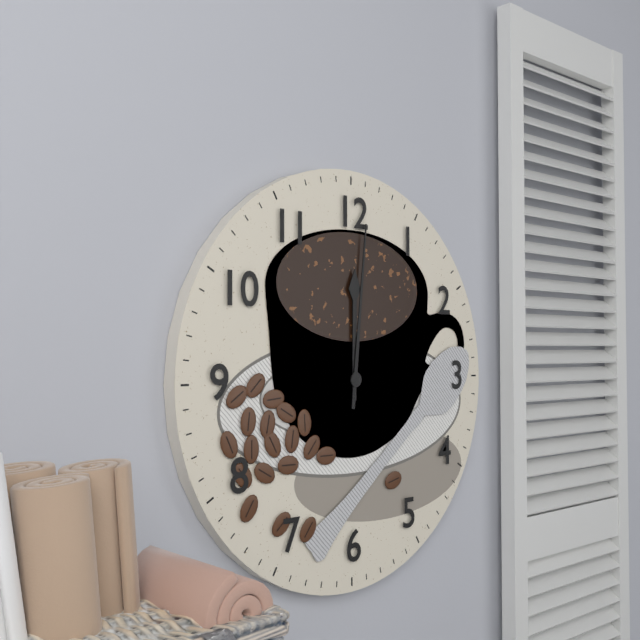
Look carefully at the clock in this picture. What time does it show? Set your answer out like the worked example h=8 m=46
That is h=12 m=1
